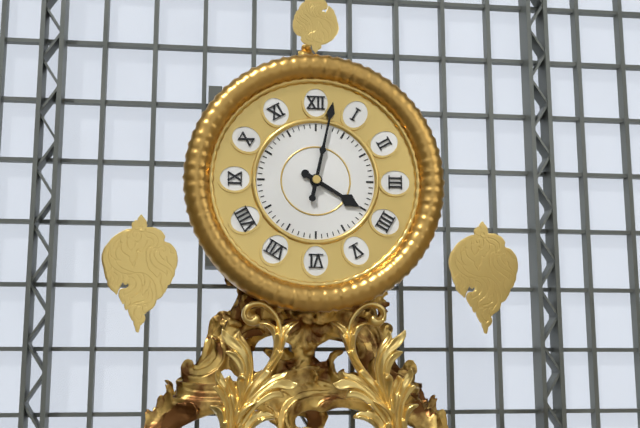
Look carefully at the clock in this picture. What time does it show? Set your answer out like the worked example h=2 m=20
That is h=4 m=2
